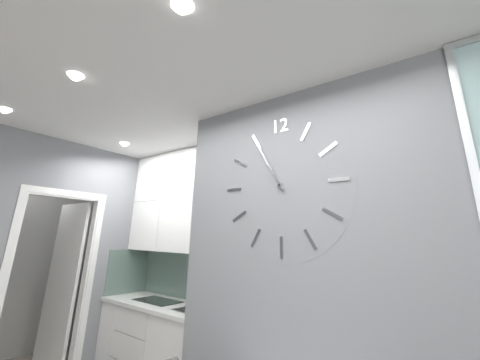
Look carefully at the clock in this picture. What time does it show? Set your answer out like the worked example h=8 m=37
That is h=10 m=55
